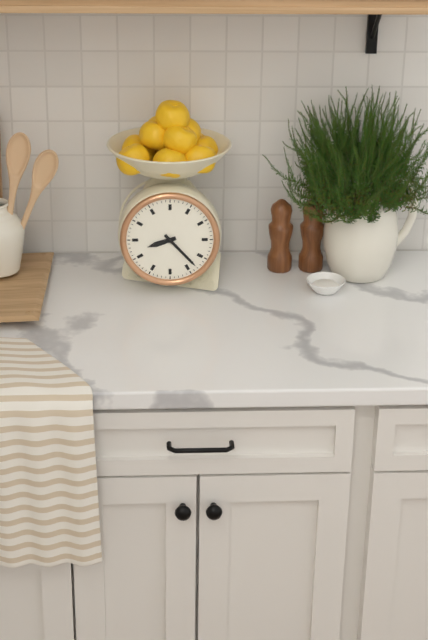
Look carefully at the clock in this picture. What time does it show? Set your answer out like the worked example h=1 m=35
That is h=8 m=23
